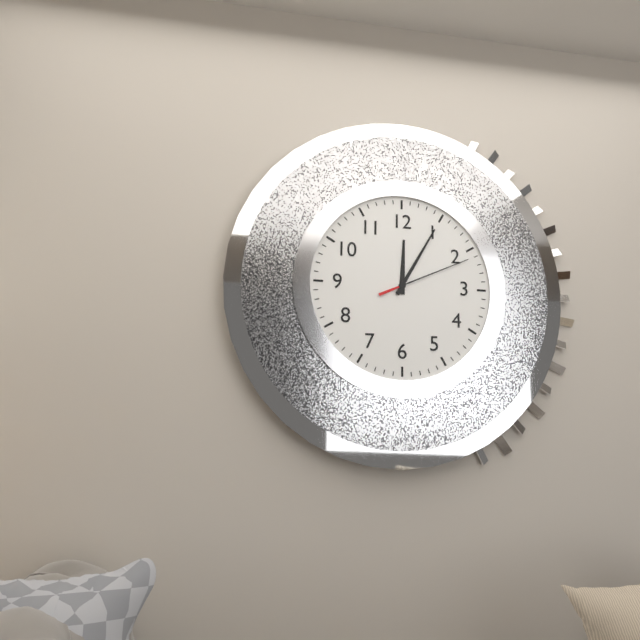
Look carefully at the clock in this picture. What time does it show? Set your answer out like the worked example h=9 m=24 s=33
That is h=12 m=5 s=11
